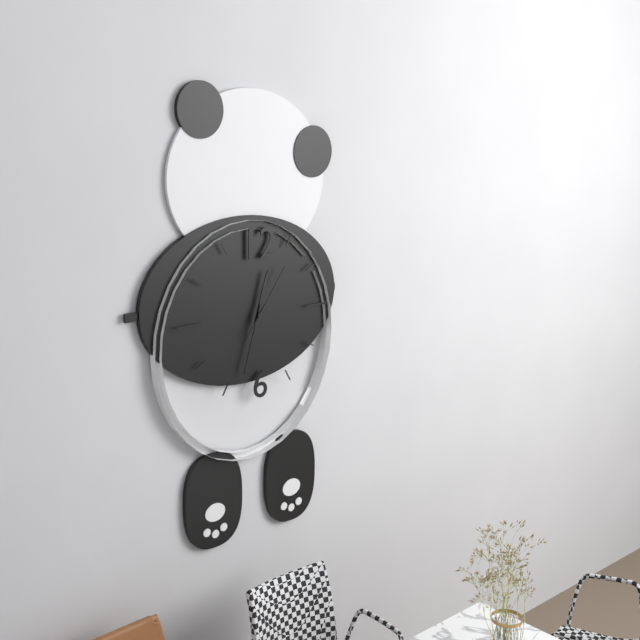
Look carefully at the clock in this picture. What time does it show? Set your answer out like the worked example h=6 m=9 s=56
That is h=12 m=33 s=6
